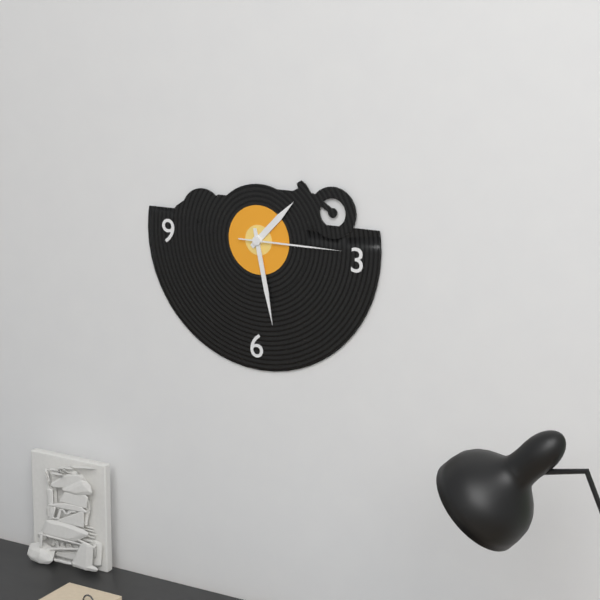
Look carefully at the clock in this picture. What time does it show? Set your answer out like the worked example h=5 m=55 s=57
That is h=1 m=28 s=15
